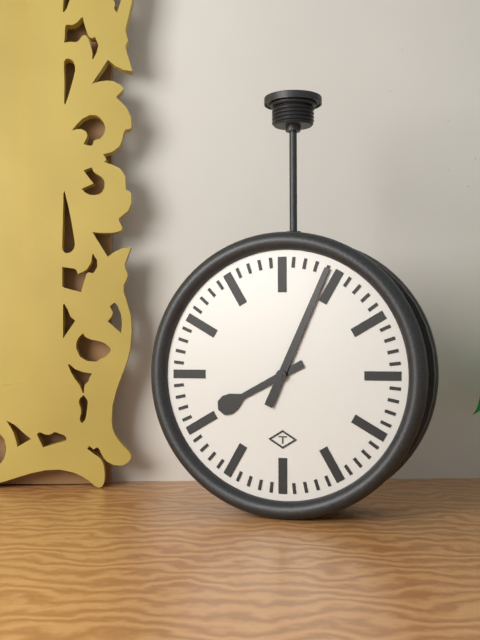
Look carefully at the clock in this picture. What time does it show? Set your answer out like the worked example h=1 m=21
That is h=8 m=4
